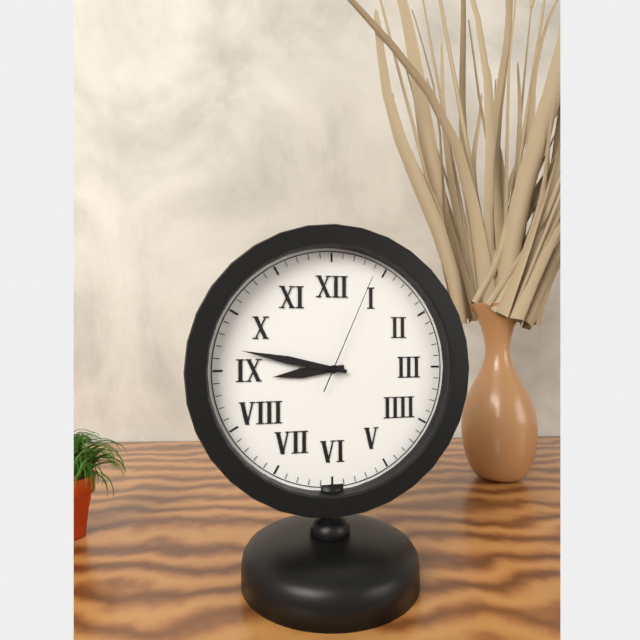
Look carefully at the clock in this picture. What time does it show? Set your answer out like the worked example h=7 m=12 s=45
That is h=8 m=47 s=4
